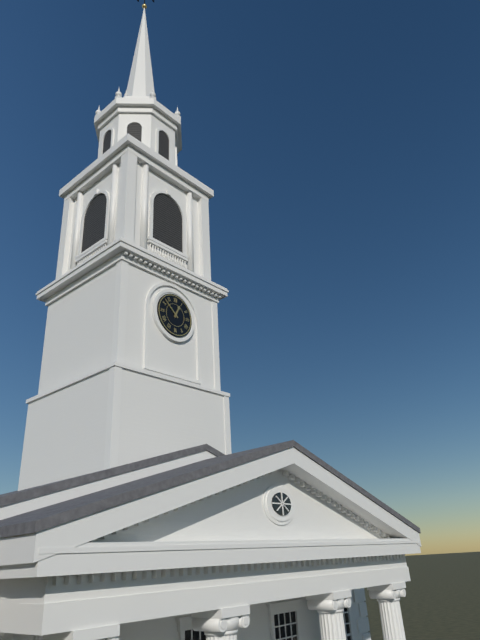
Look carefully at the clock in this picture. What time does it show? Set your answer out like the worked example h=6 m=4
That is h=12 m=52
